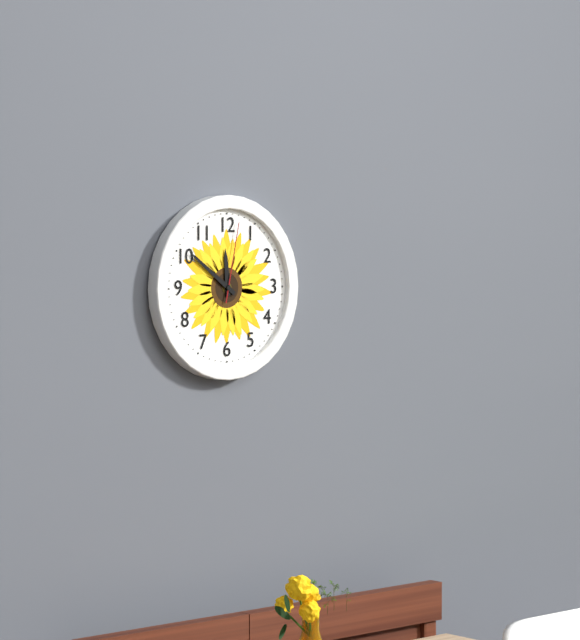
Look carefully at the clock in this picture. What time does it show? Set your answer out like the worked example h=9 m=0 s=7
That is h=11 m=51 s=2
